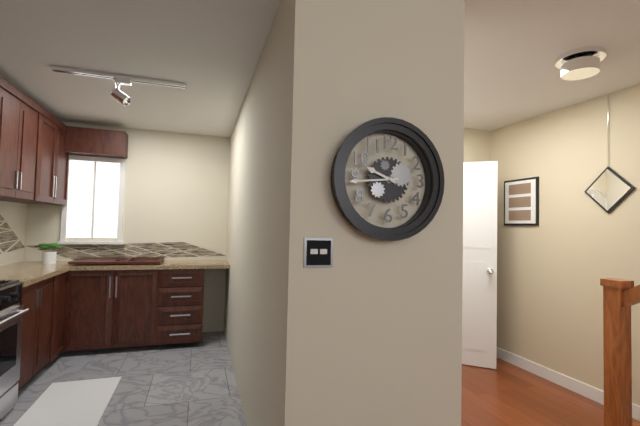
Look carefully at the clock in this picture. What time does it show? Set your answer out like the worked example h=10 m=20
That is h=9 m=44
